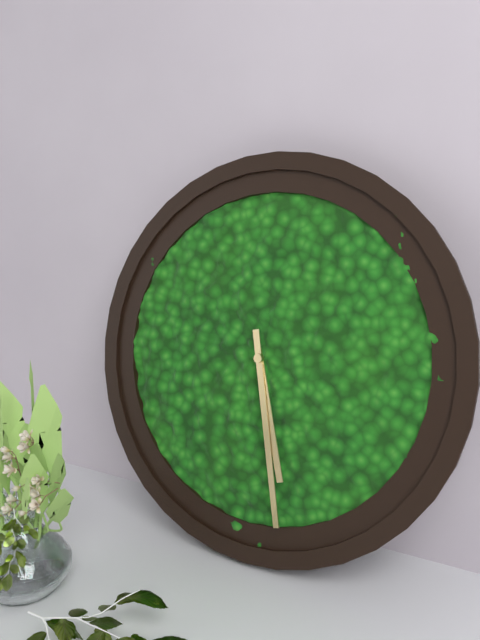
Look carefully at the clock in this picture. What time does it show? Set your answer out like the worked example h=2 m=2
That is h=5 m=28
